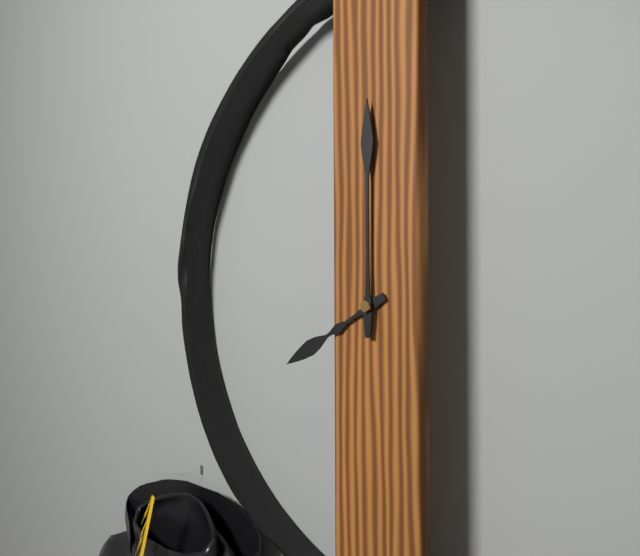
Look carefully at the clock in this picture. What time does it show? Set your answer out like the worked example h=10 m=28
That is h=8 m=0
